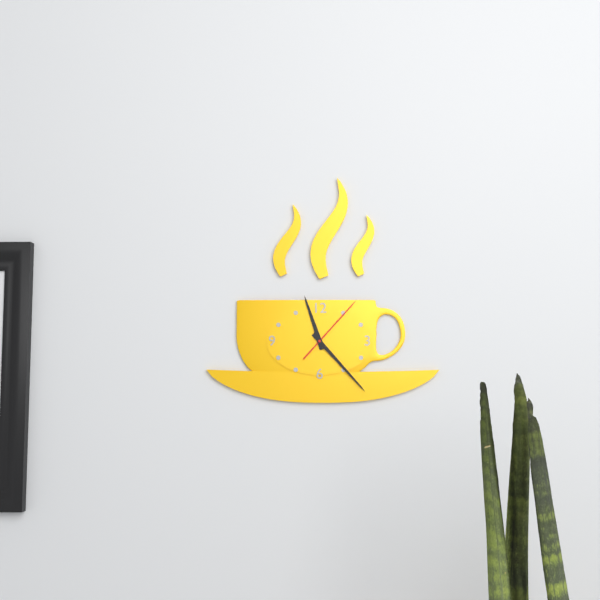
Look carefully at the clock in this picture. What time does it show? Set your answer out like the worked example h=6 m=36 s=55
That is h=11 m=23 s=7
